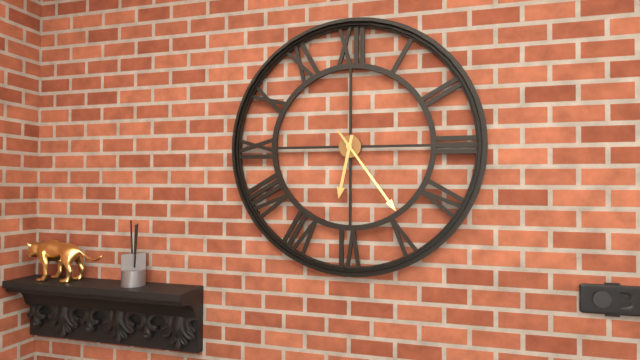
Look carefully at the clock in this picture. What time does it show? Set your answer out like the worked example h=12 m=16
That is h=6 m=24
